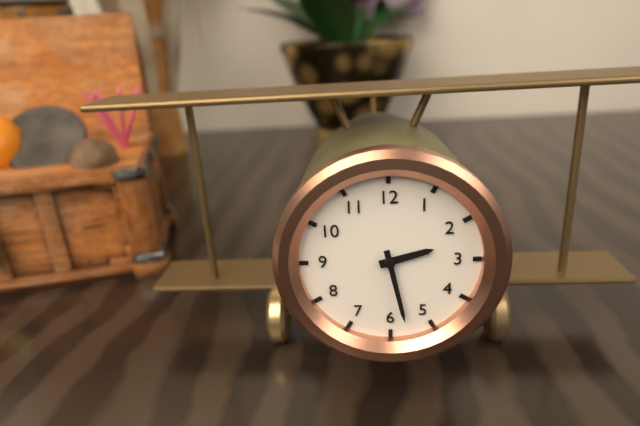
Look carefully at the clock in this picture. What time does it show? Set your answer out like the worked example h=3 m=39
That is h=2 m=28
